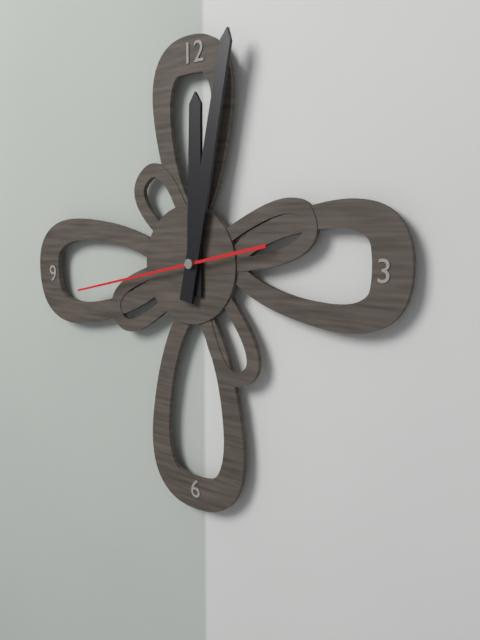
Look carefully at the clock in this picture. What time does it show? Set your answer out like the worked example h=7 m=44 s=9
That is h=12 m=2 s=43
